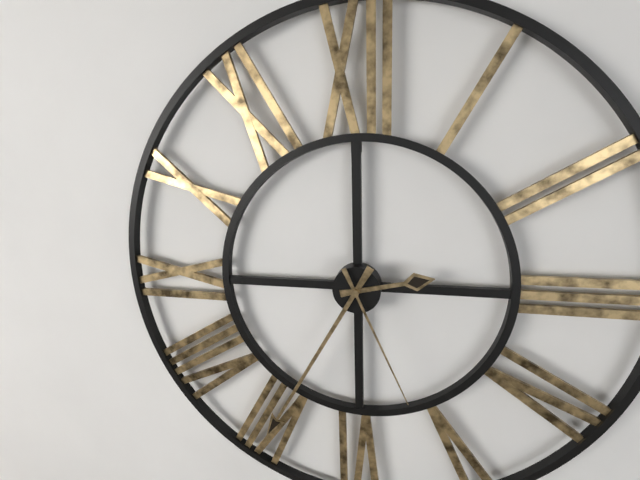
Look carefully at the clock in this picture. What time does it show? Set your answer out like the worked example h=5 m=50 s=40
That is h=2 m=35 s=26
